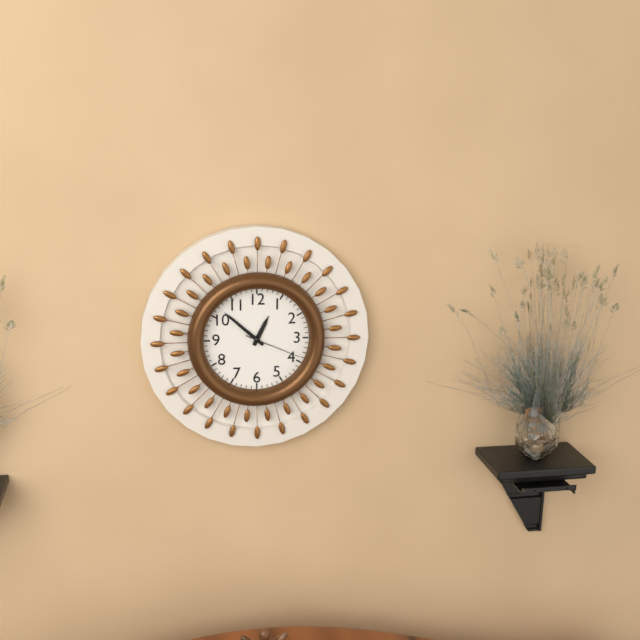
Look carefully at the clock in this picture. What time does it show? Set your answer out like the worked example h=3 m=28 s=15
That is h=12 m=52 s=19
